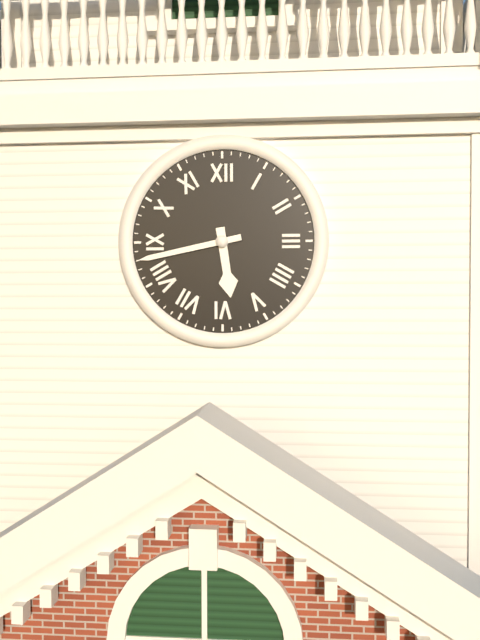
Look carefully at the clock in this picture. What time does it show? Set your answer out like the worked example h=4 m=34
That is h=5 m=43
